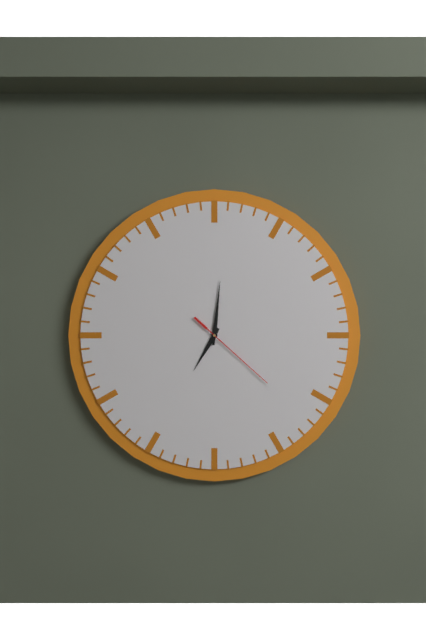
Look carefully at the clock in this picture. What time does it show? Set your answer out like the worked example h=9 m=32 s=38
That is h=7 m=1 s=22
